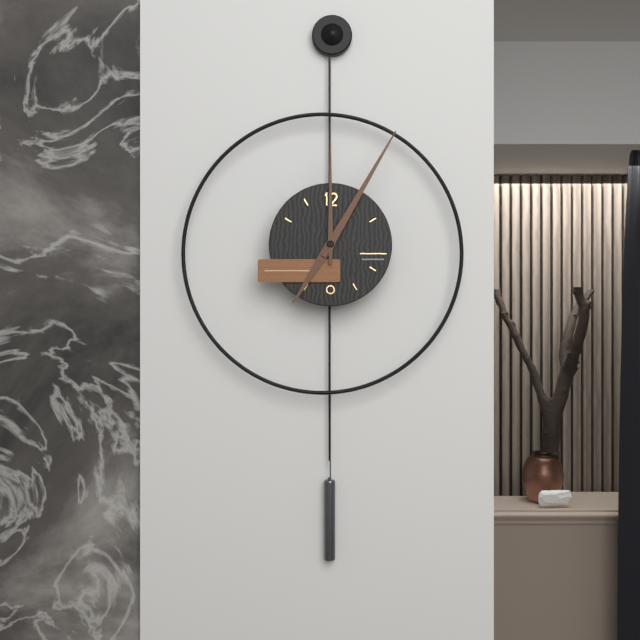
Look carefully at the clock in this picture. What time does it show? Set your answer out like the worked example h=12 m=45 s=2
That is h=7 m=5 s=0
